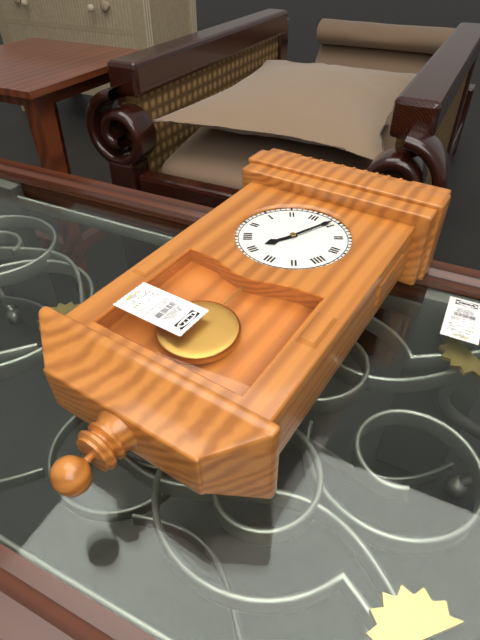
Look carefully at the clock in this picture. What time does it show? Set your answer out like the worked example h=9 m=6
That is h=7 m=4
